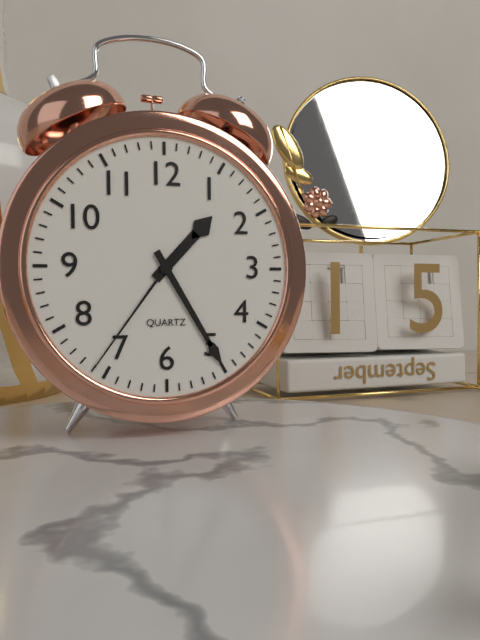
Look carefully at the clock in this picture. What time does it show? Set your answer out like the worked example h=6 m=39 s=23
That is h=1 m=25 s=36
